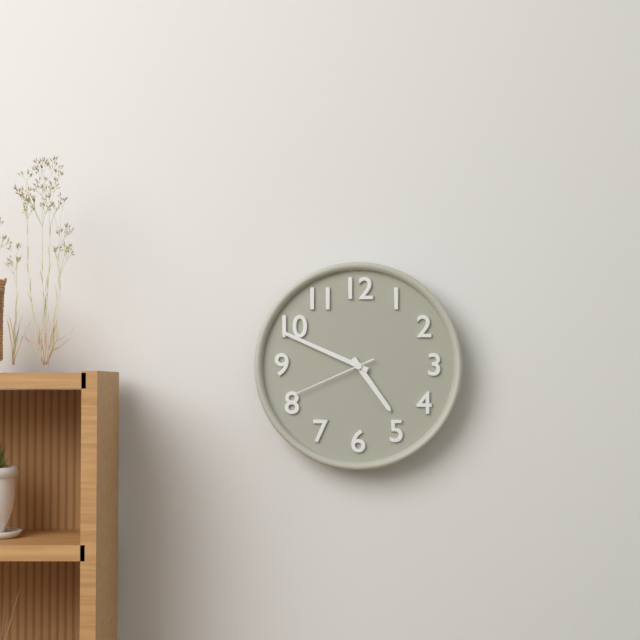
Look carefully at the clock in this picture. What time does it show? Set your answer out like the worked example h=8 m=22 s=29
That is h=4 m=49 s=41
